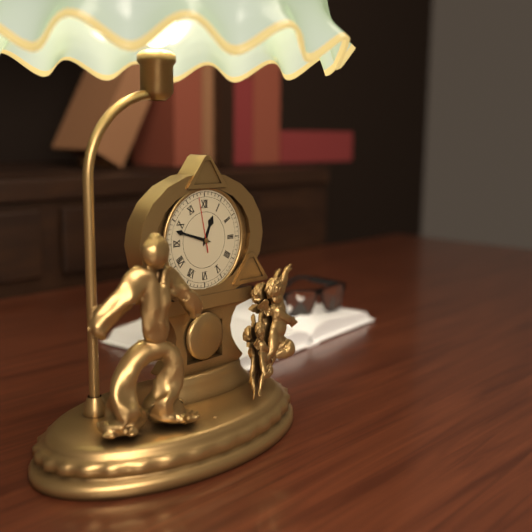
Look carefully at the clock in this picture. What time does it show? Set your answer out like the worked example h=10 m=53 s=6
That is h=12 m=48 s=58
